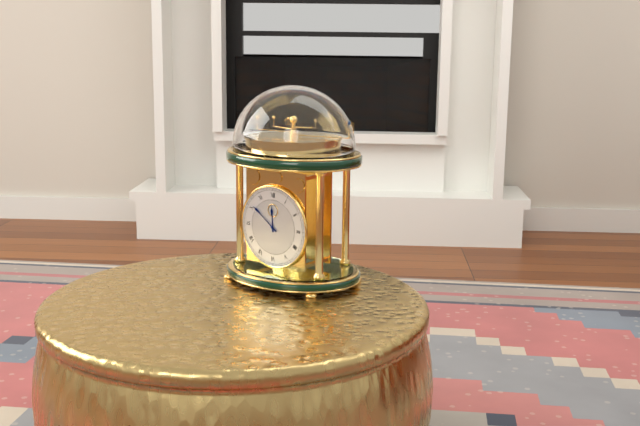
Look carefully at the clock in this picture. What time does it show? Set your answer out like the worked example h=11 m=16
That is h=11 m=51
